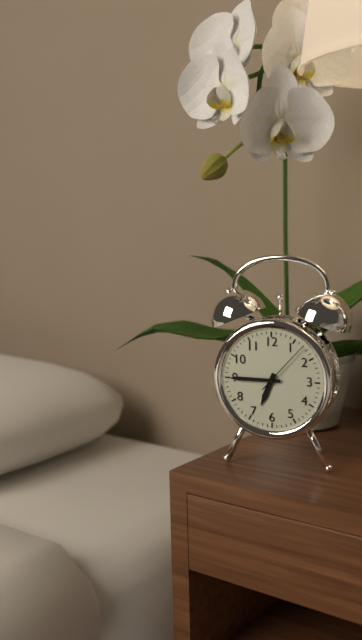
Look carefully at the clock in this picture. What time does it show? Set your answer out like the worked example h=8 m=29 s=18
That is h=6 m=45 s=7
